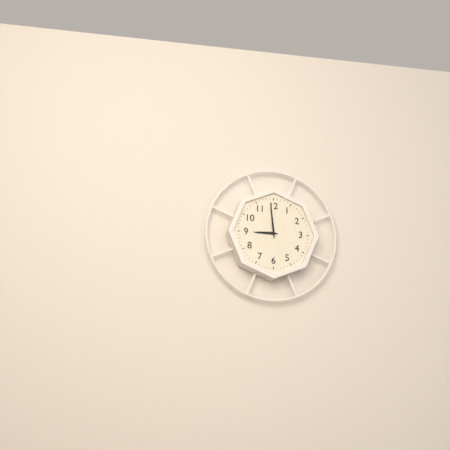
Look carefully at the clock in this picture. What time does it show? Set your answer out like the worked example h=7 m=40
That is h=8 m=59
